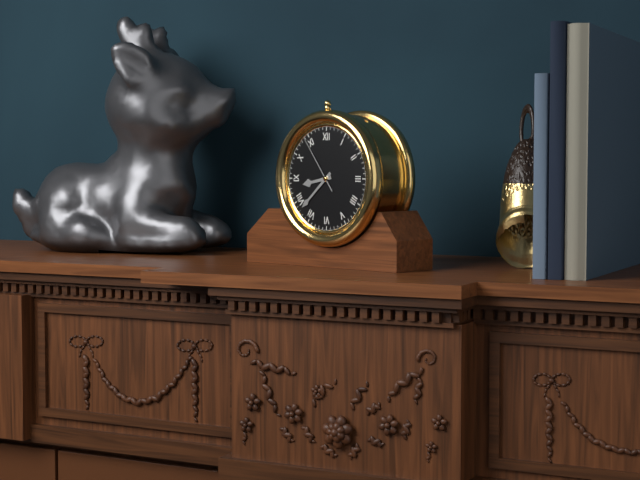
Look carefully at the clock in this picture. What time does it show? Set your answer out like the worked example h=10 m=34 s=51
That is h=8 m=38 s=54
